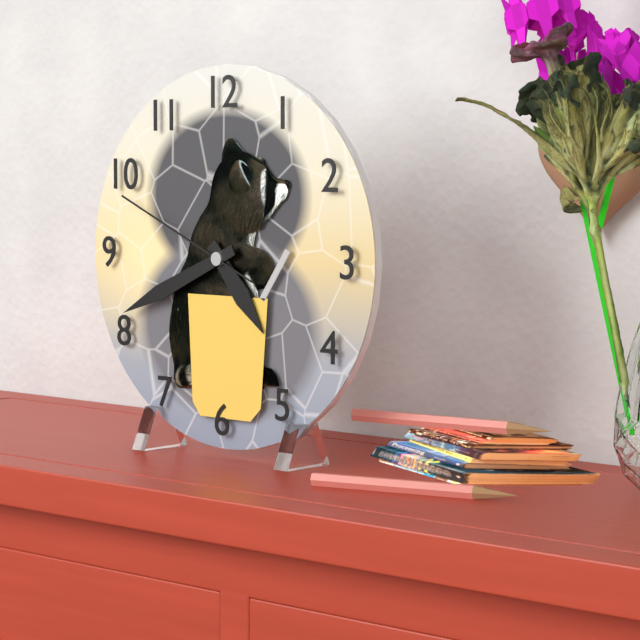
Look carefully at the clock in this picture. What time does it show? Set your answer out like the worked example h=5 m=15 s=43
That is h=4 m=41 s=49
